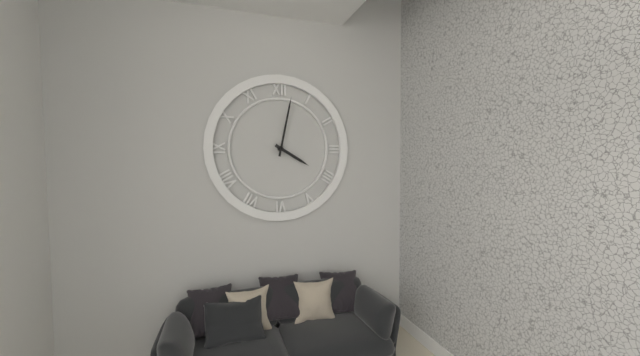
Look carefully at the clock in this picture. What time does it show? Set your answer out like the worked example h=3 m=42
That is h=4 m=2
